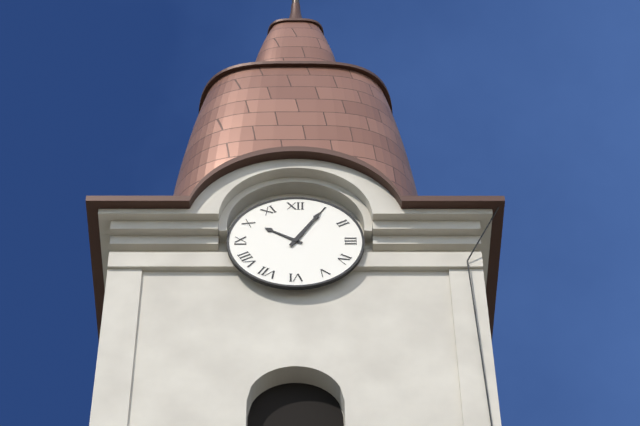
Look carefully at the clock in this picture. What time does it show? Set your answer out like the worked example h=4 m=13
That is h=10 m=5
